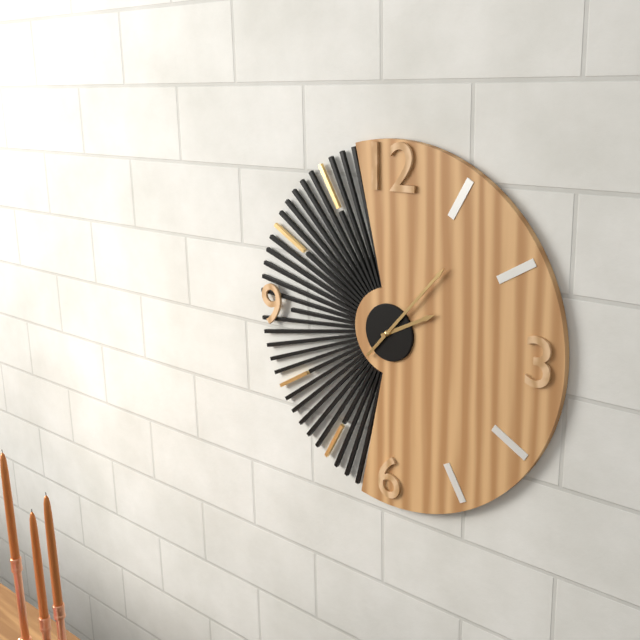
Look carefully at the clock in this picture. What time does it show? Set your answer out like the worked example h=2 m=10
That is h=2 m=7
